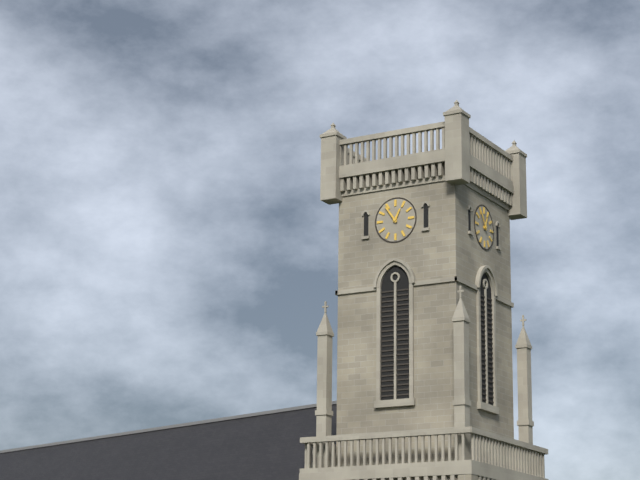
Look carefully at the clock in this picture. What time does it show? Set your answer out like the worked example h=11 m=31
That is h=12 m=54
